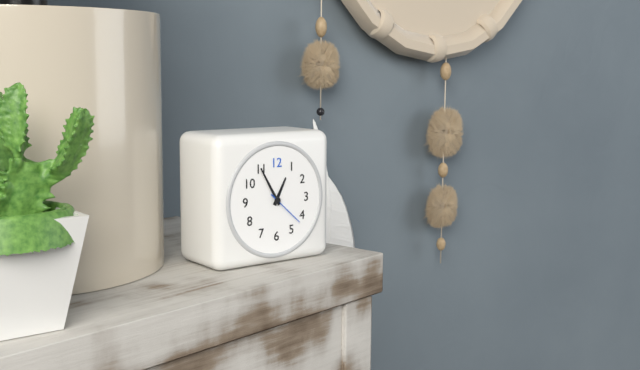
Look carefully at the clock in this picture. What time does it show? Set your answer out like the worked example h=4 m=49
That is h=12 m=55
